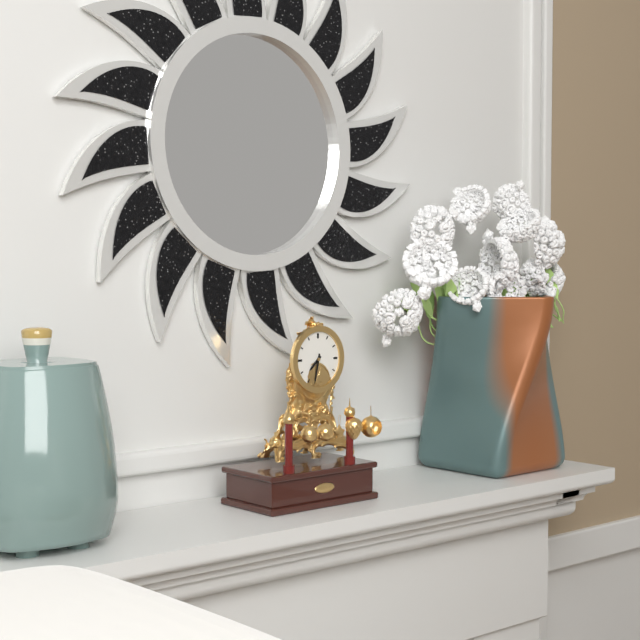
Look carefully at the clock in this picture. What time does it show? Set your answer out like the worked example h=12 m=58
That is h=7 m=32
